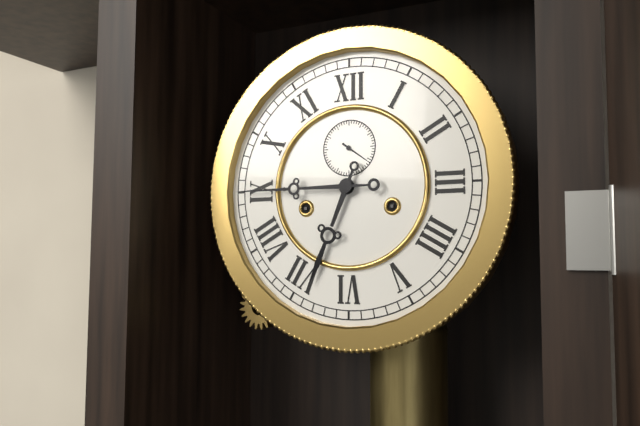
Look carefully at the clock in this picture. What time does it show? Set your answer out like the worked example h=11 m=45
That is h=6 m=45
